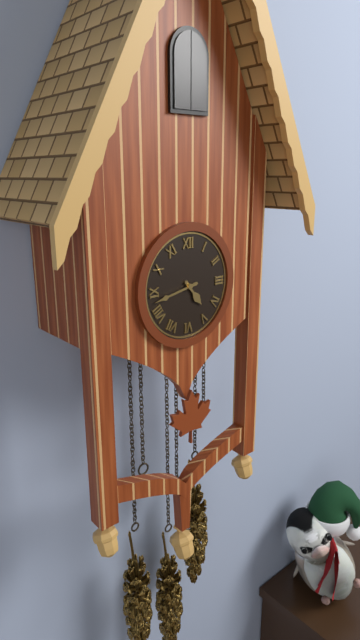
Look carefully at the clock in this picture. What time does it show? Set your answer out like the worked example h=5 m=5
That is h=4 m=43
